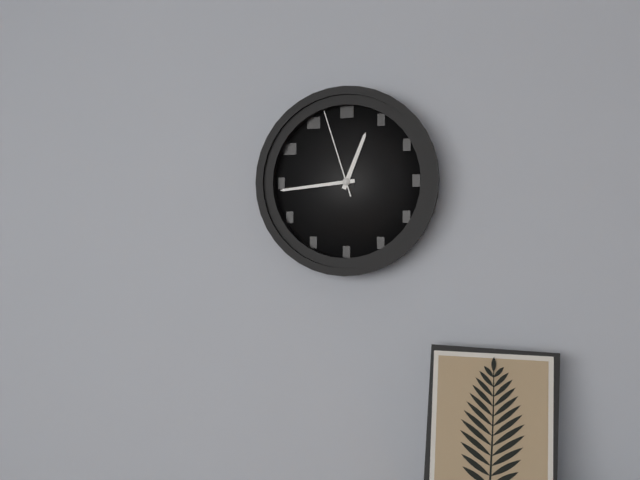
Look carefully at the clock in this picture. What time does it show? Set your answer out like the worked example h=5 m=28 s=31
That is h=12 m=44 s=57
